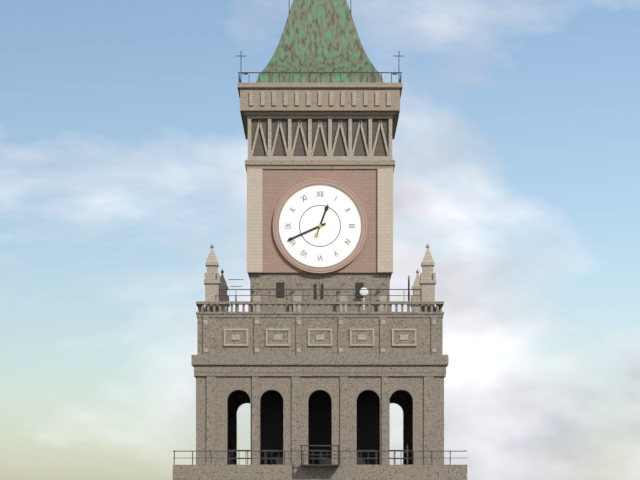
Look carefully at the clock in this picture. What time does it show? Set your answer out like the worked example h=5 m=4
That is h=12 m=41
